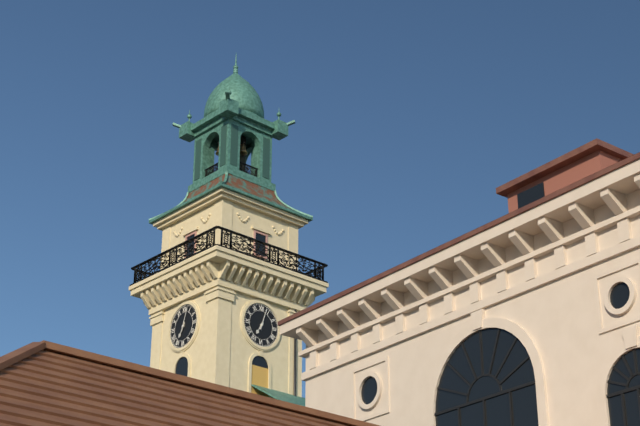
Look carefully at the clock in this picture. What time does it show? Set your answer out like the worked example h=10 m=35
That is h=7 m=3
